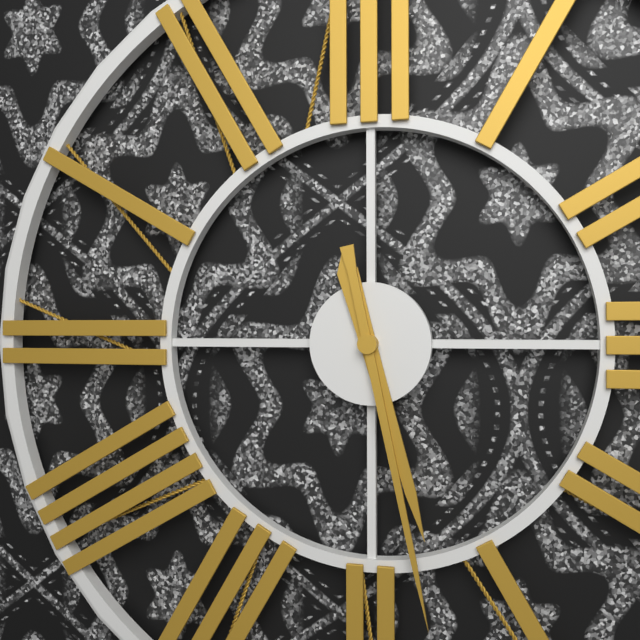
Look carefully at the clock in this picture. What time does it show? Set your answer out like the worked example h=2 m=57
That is h=5 m=28
